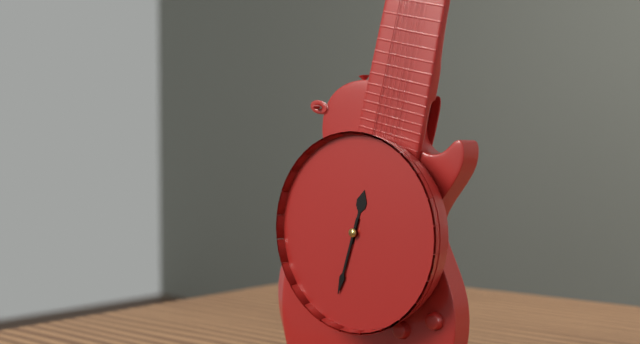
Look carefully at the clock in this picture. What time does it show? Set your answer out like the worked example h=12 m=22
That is h=12 m=33
